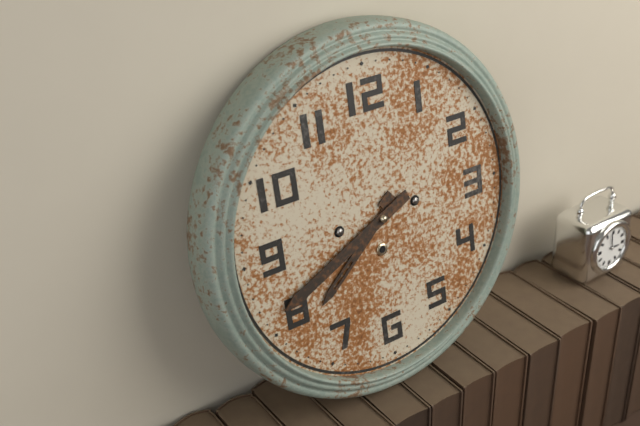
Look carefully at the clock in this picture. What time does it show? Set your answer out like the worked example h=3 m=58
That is h=7 m=41
